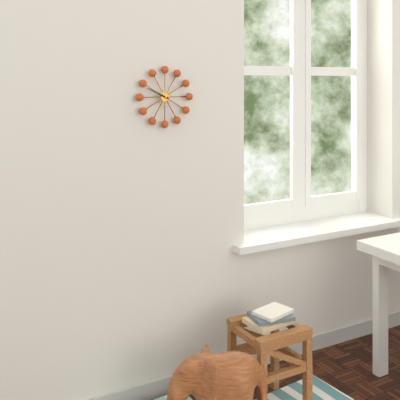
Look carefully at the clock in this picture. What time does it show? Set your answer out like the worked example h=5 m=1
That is h=9 m=49
